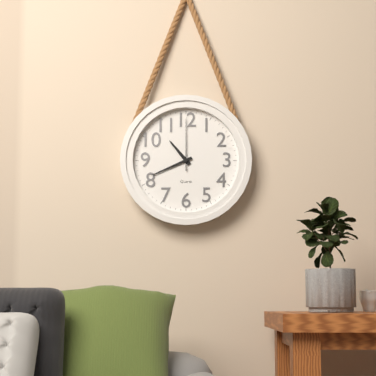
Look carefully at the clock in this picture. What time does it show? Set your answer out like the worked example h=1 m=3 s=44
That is h=10 m=41 s=0
